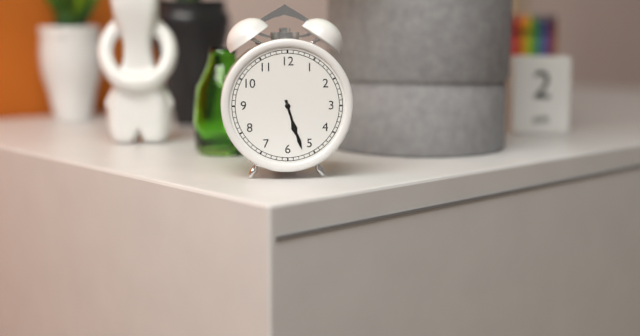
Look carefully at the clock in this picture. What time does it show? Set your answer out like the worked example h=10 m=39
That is h=5 m=27
